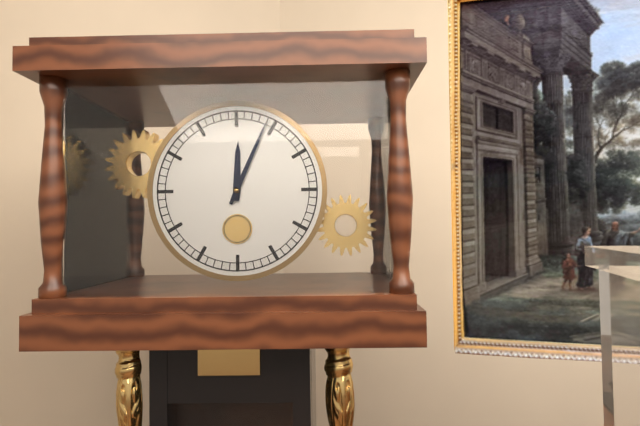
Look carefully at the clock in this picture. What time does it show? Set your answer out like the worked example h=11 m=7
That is h=12 m=4
